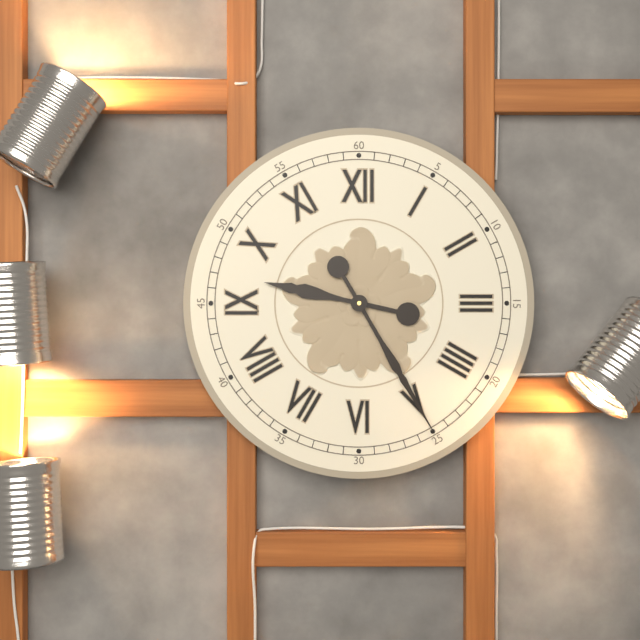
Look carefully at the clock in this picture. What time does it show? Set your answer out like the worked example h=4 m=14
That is h=9 m=25
